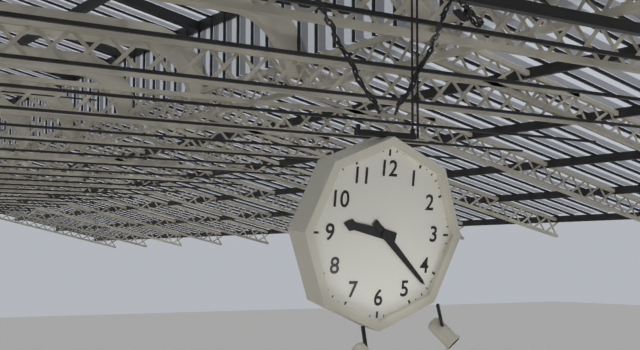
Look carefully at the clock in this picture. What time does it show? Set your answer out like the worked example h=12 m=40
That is h=9 m=22
